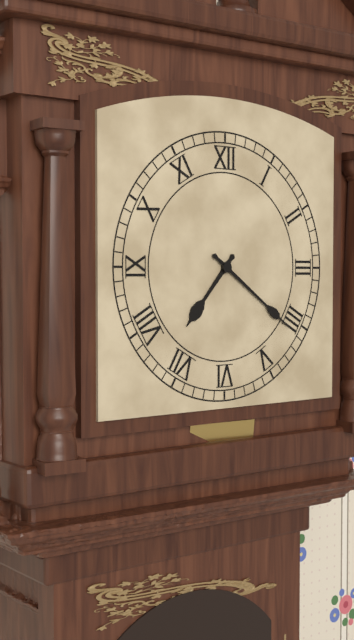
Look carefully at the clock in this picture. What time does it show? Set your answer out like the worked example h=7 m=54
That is h=7 m=21
